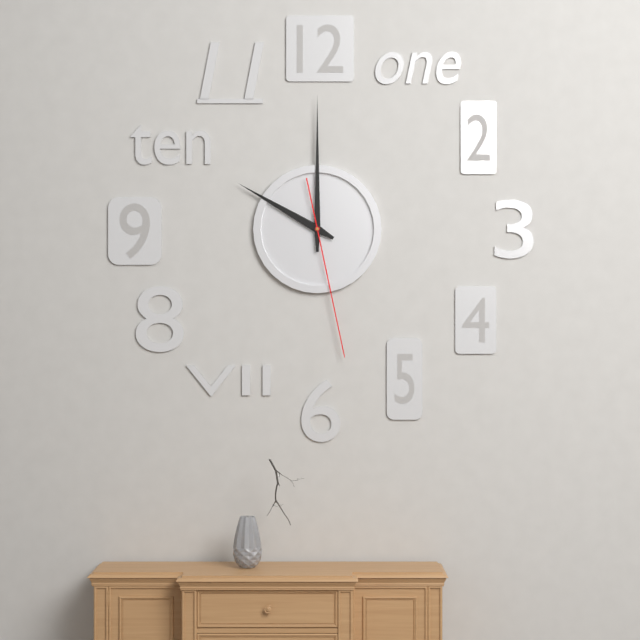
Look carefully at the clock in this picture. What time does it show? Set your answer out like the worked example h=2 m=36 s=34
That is h=10 m=0 s=28
